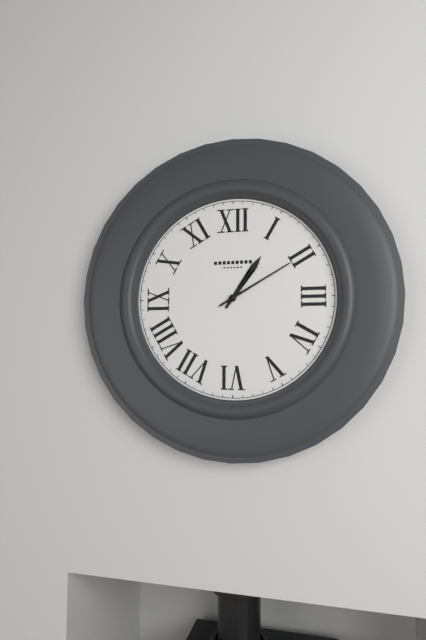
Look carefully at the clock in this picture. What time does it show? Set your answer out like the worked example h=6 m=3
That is h=1 m=10
